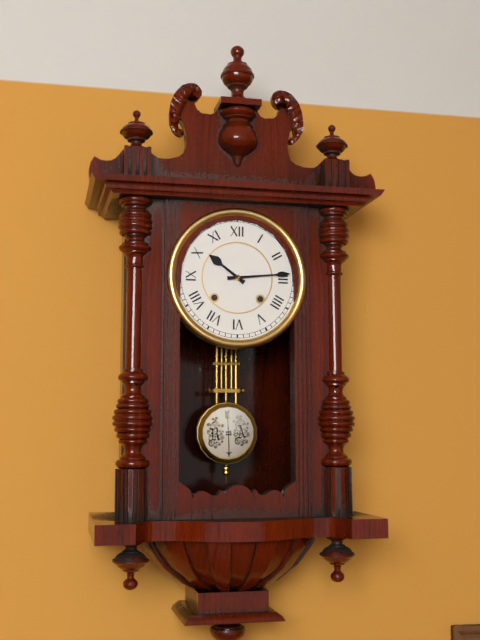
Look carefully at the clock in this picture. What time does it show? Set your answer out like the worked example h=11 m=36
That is h=10 m=14
